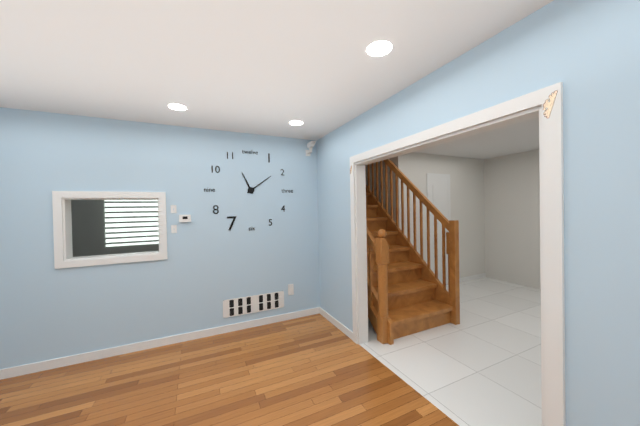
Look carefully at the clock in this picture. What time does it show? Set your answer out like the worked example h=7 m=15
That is h=11 m=9
